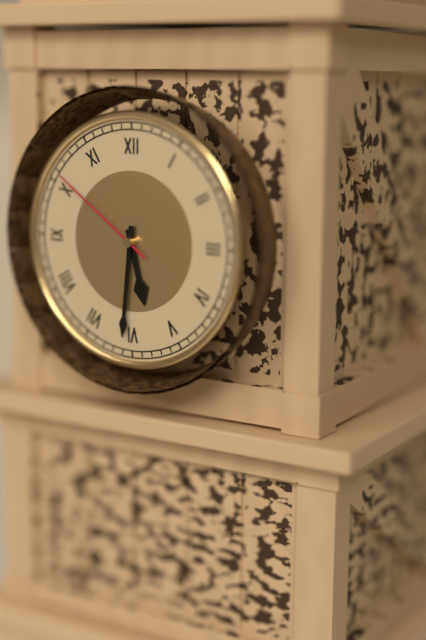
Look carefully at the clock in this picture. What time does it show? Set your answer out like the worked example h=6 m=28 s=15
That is h=5 m=31 s=51
